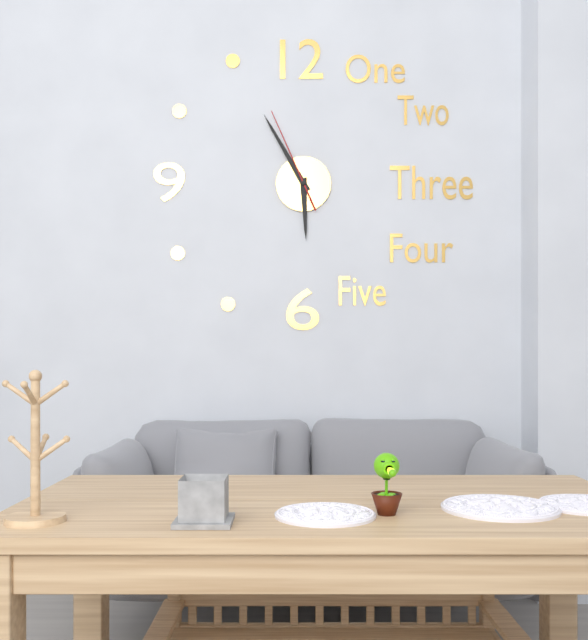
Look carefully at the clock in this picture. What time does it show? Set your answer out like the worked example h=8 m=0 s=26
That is h=5 m=55 s=56
